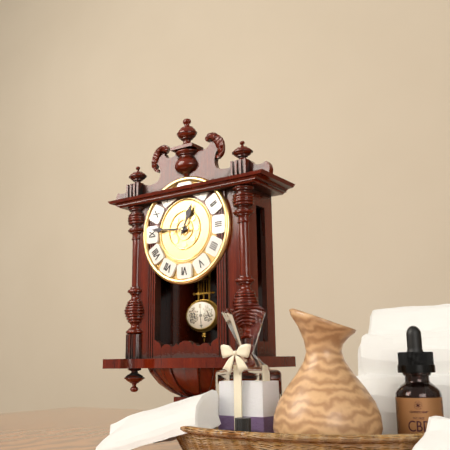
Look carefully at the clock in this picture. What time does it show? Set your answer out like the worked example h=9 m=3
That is h=12 m=46
